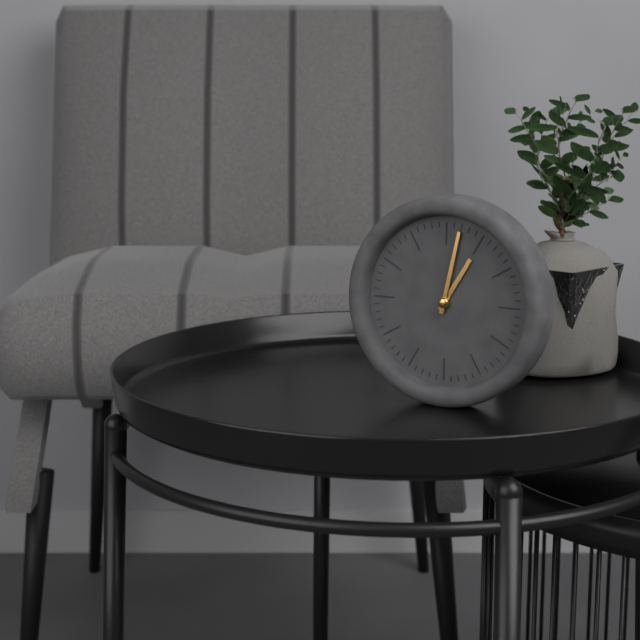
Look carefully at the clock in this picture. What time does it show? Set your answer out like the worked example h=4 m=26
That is h=1 m=2
